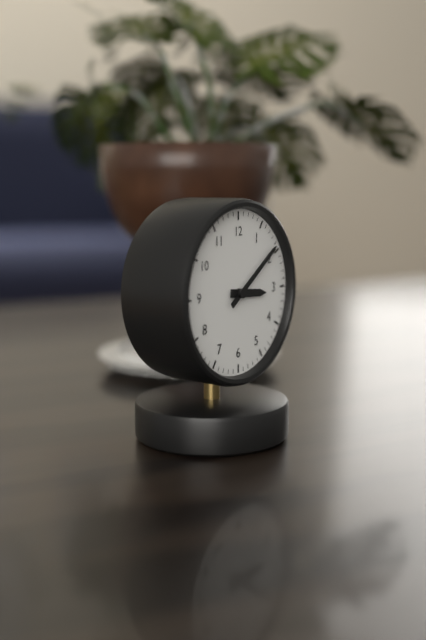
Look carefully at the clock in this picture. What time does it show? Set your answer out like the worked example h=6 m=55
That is h=3 m=9
